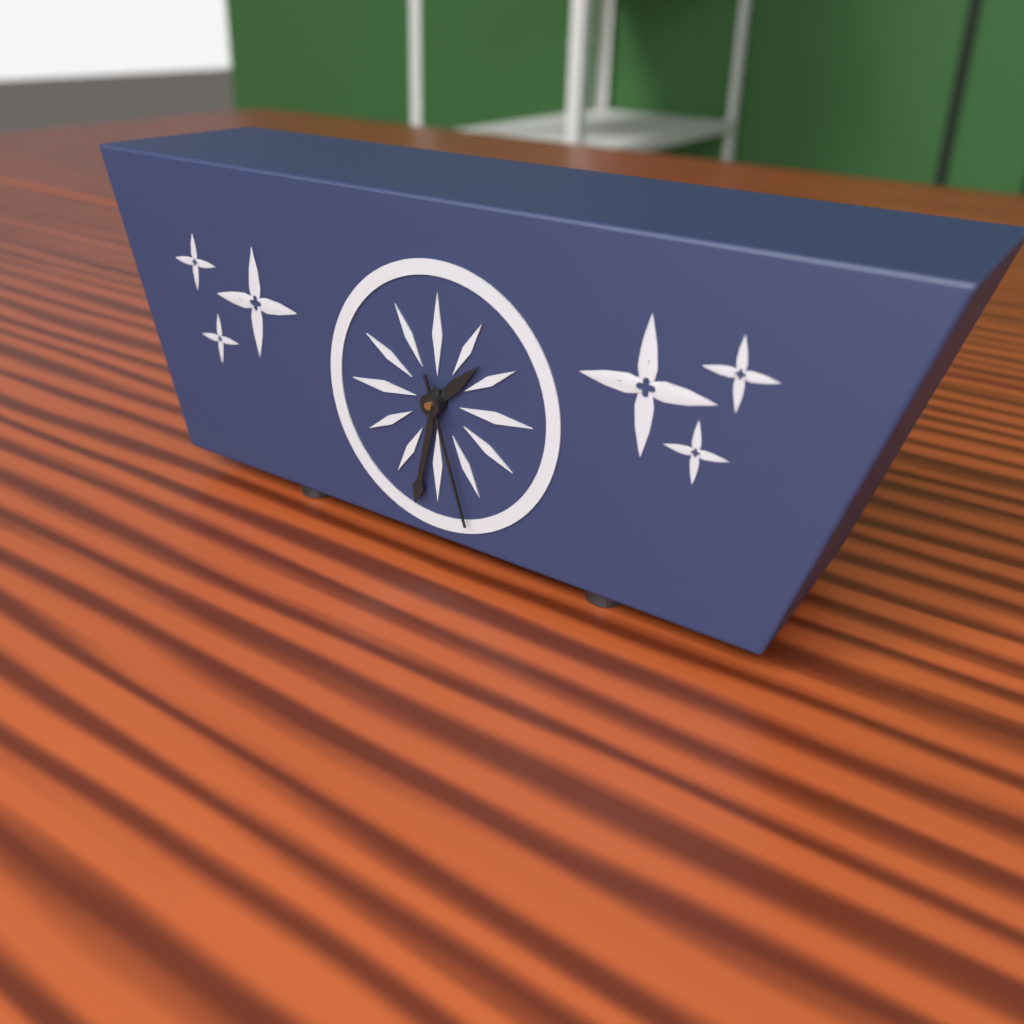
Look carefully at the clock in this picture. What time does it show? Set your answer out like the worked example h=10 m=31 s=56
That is h=1 m=32 s=27
